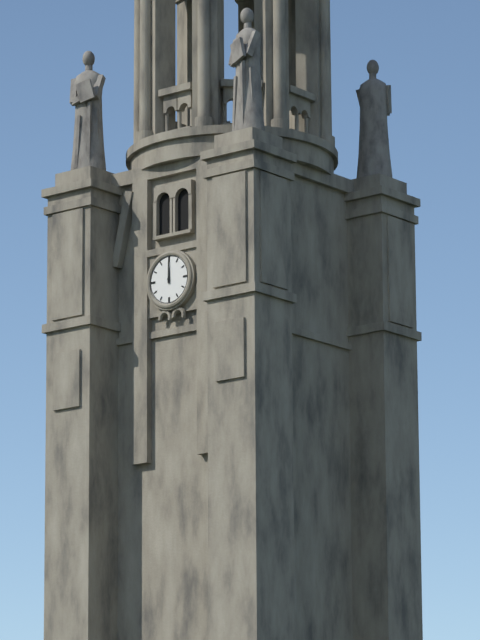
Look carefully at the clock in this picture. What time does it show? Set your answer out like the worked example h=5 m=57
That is h=12 m=0
